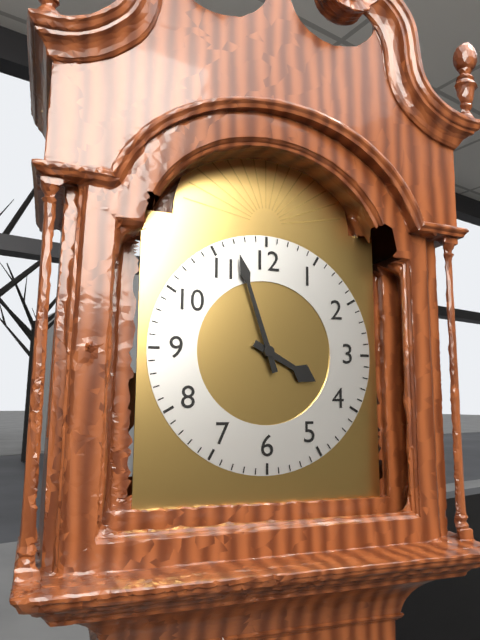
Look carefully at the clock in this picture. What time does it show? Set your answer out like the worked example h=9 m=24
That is h=3 m=57
